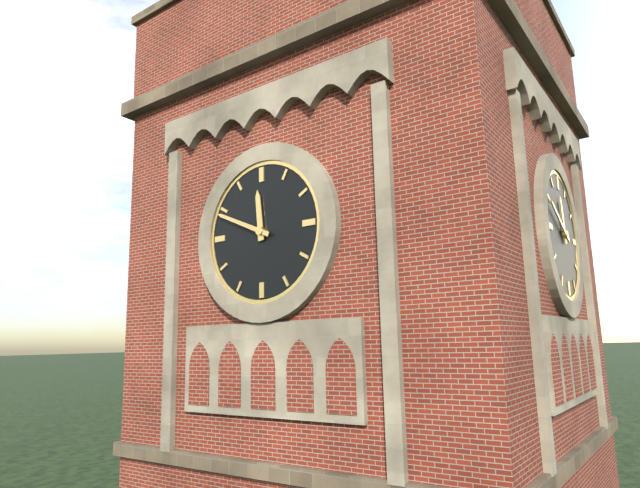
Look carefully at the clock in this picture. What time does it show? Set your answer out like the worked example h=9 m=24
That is h=11 m=49
